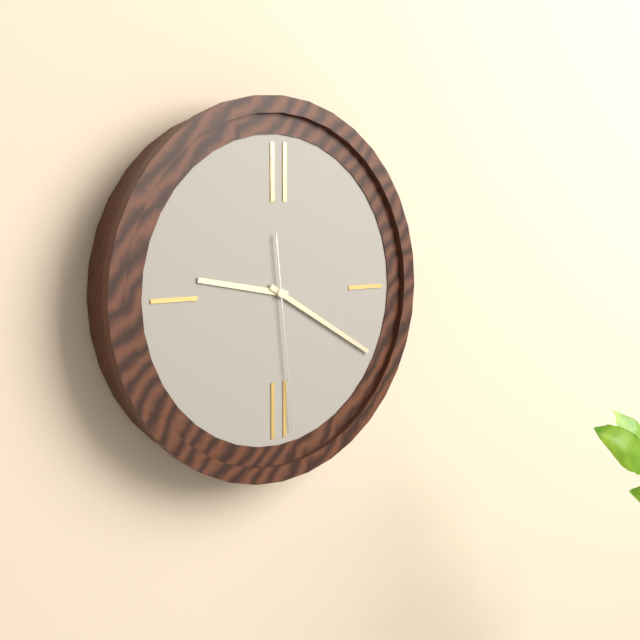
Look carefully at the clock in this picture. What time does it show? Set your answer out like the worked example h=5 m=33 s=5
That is h=9 m=20 s=29
